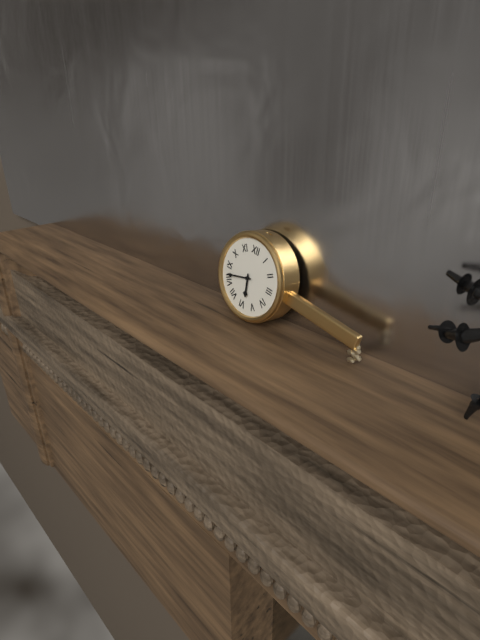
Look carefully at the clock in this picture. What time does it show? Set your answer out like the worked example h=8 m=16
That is h=5 m=42
